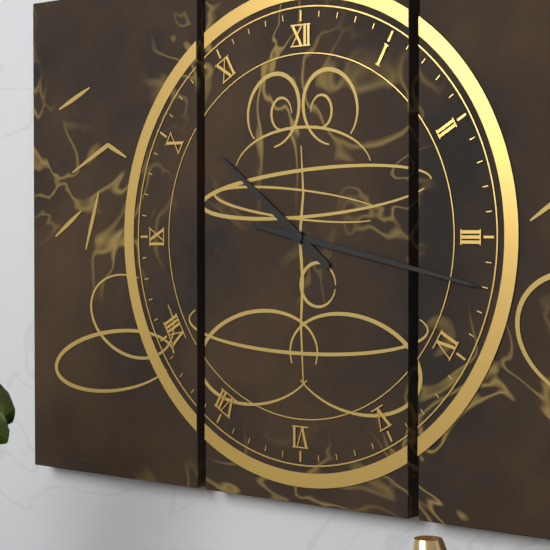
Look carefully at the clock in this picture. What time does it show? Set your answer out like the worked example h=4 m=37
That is h=10 m=17
